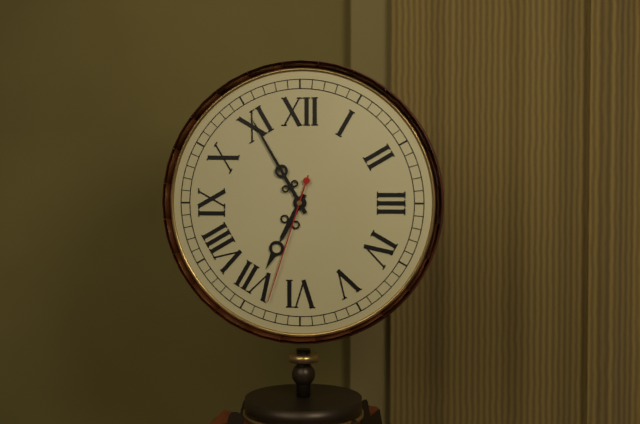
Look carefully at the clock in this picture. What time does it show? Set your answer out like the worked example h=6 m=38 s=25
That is h=6 m=55 s=33
